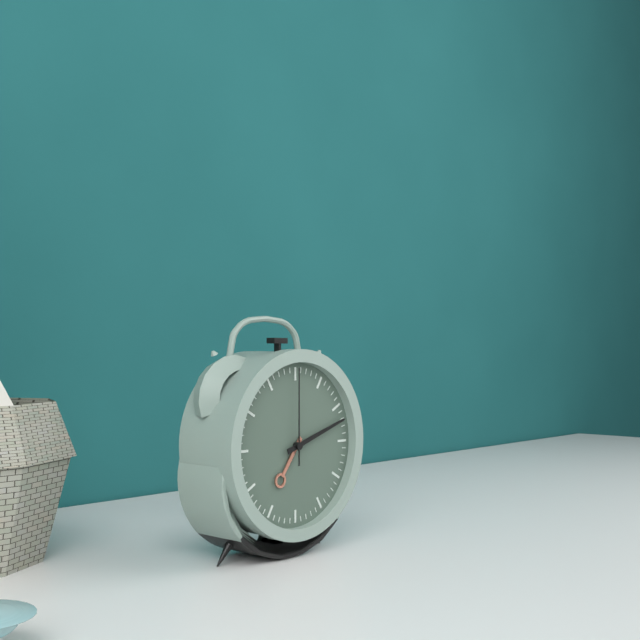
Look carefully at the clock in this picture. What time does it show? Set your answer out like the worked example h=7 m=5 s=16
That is h=7 m=12 s=0
